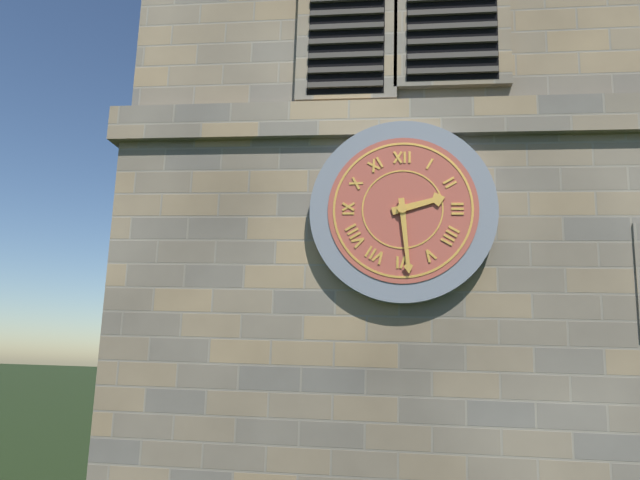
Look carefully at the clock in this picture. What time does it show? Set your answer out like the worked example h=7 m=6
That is h=2 m=29
